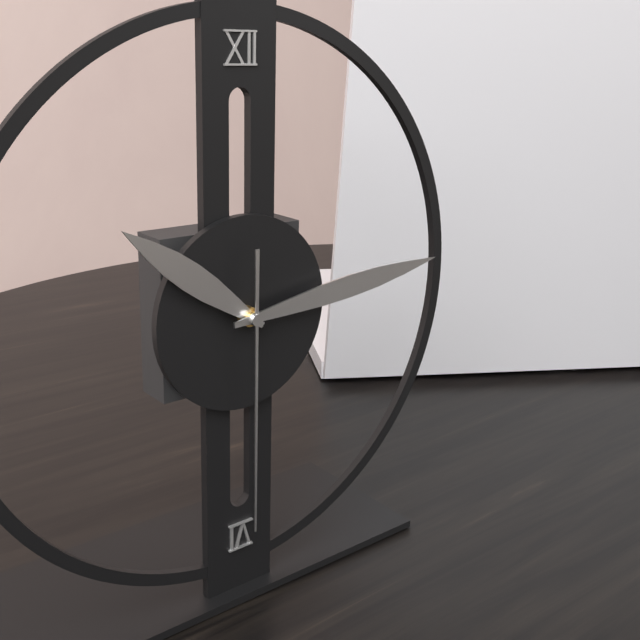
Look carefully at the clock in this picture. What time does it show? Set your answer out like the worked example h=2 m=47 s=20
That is h=10 m=14 s=30
